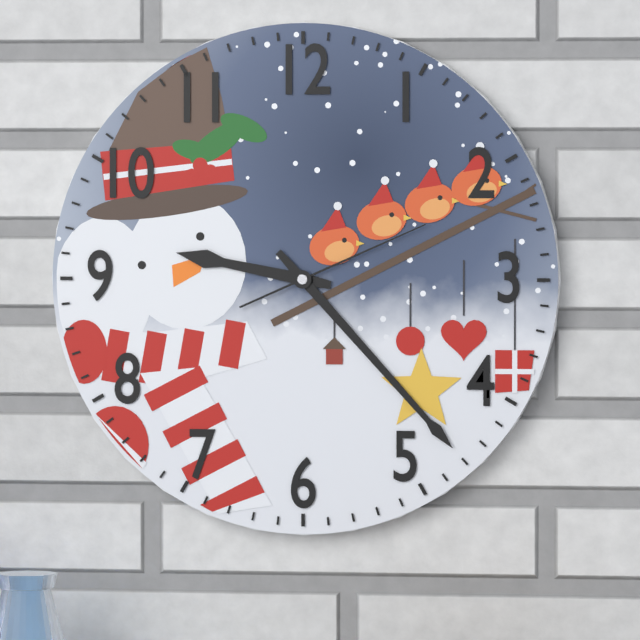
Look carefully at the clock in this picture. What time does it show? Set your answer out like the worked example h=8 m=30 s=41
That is h=9 m=23 s=11
